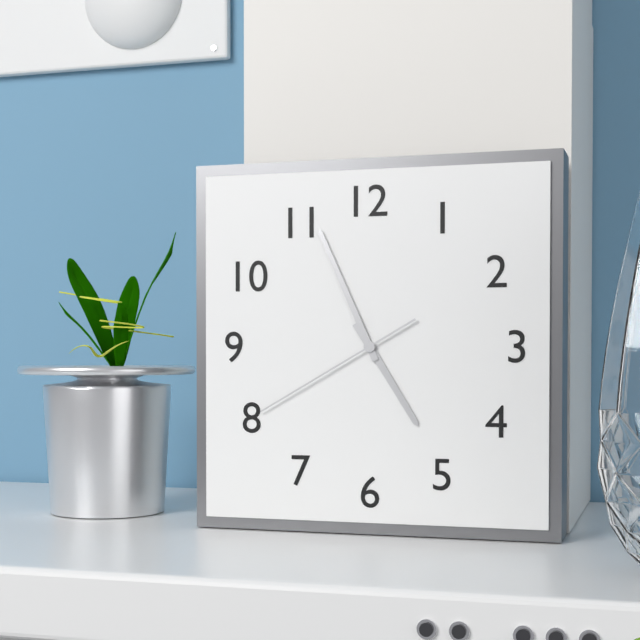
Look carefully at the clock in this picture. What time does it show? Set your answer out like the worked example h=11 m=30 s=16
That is h=4 m=56 s=40
